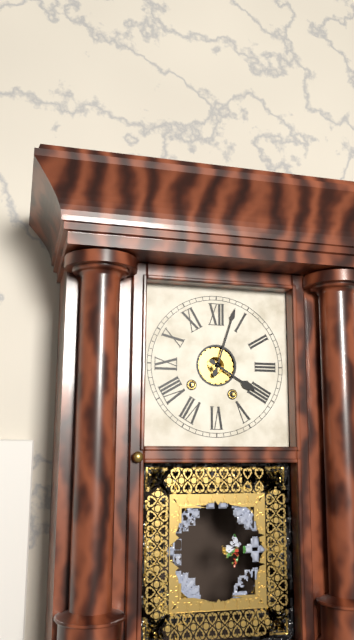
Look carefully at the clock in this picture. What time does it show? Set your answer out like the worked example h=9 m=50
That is h=4 m=3
